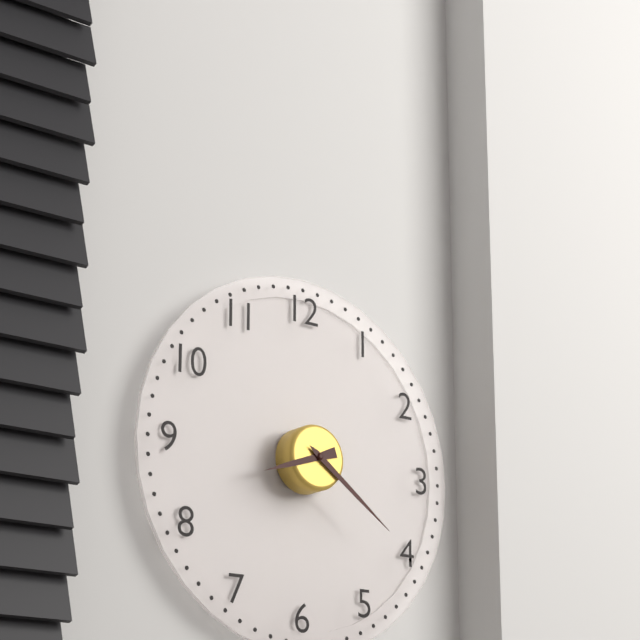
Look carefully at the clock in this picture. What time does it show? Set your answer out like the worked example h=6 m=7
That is h=8 m=21
